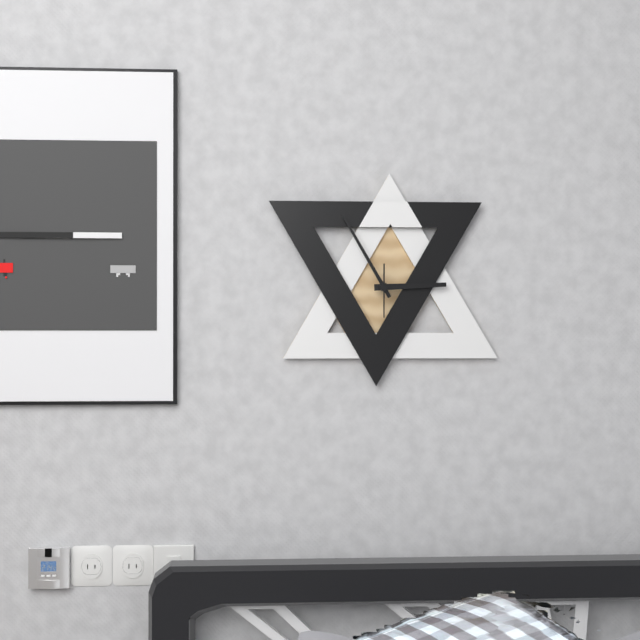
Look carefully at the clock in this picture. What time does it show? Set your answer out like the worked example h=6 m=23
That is h=2 m=55
